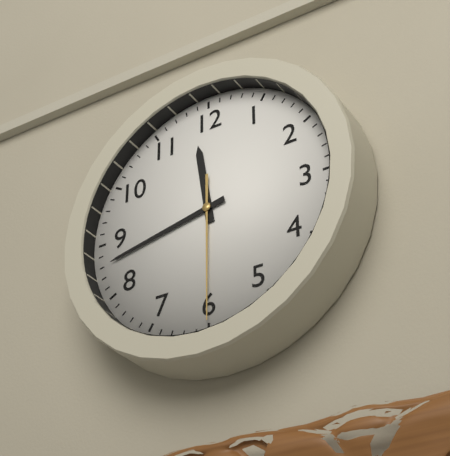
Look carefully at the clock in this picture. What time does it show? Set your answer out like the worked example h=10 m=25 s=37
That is h=11 m=43 s=30
